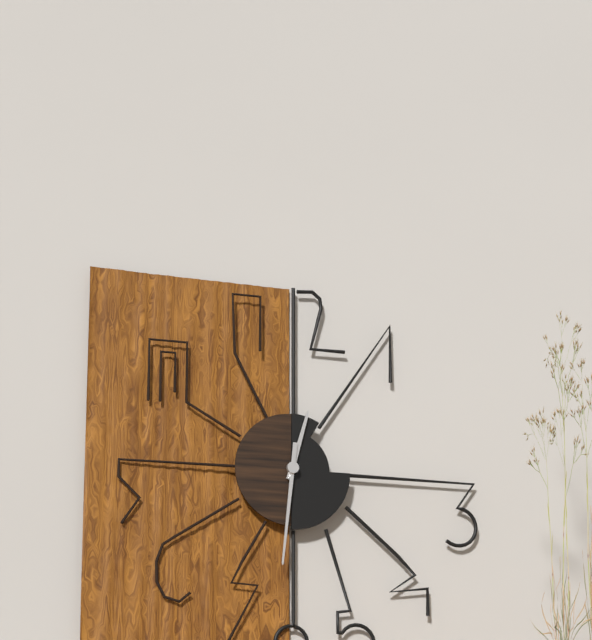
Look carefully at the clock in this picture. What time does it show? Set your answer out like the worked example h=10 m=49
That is h=12 m=31
